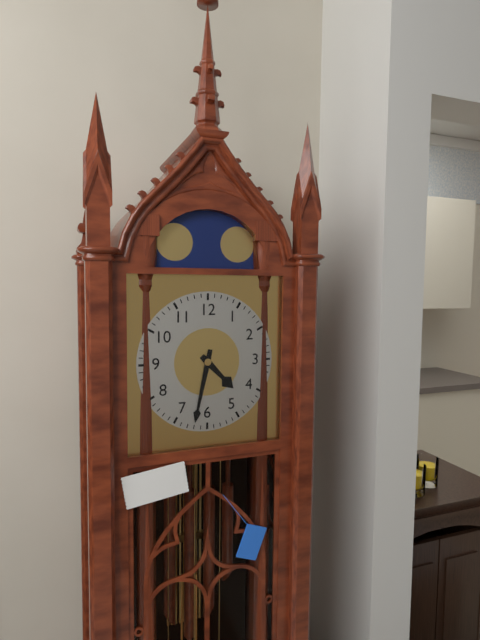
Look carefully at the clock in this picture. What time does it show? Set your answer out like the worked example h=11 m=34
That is h=4 m=32
